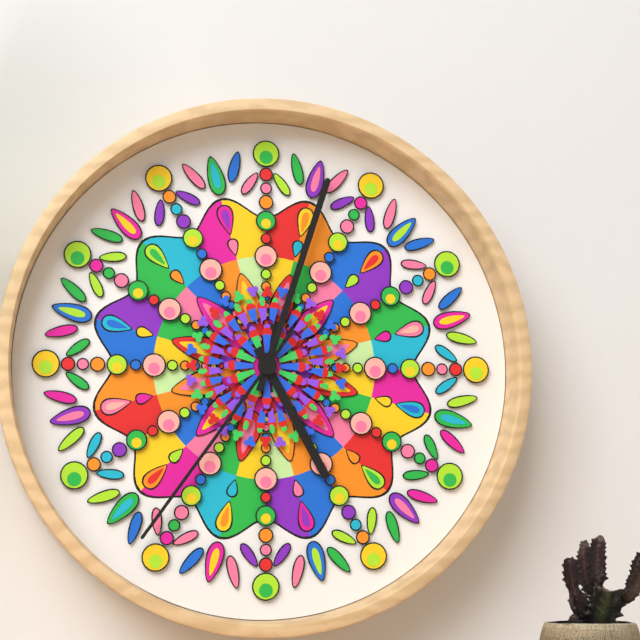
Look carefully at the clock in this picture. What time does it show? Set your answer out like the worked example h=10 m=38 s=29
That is h=5 m=3 s=36
